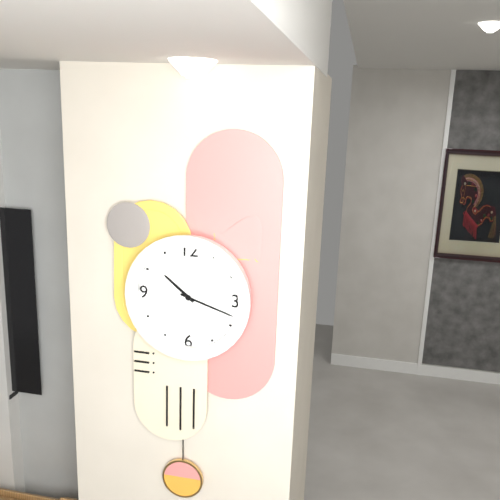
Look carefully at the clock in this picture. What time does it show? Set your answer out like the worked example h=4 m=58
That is h=10 m=18
